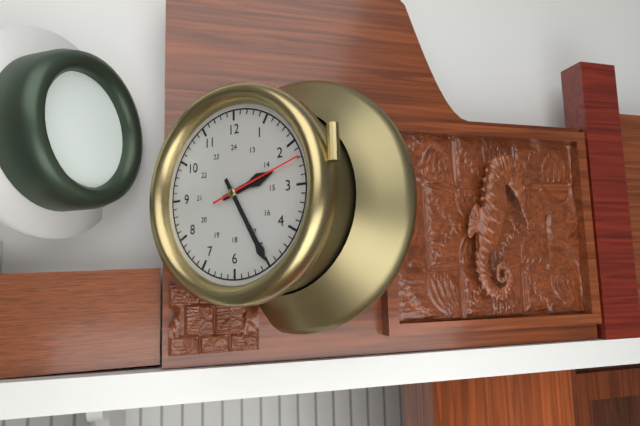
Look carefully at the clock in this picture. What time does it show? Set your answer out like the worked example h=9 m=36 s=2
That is h=2 m=25 s=12
